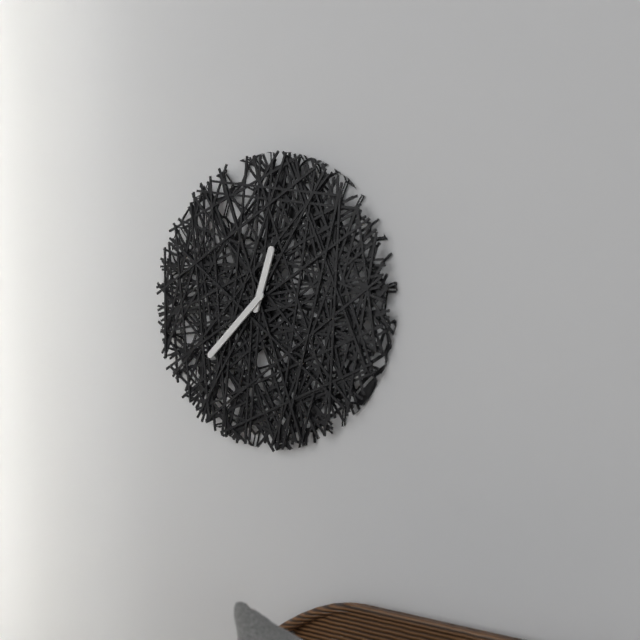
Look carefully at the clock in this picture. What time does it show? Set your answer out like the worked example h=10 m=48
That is h=12 m=38
